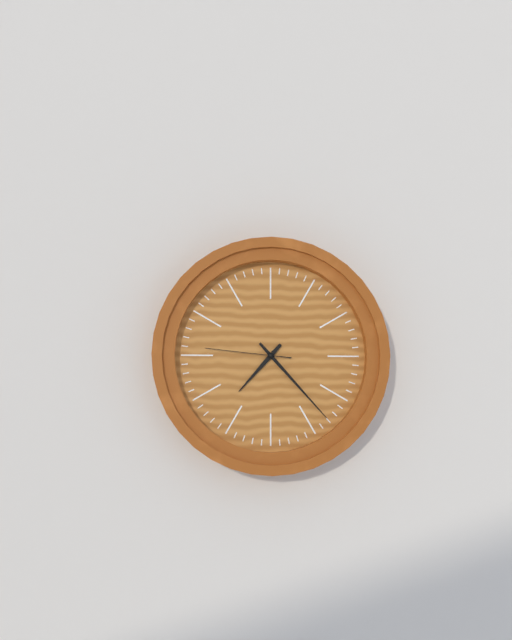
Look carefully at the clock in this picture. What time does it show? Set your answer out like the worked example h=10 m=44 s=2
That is h=7 m=23 s=46
